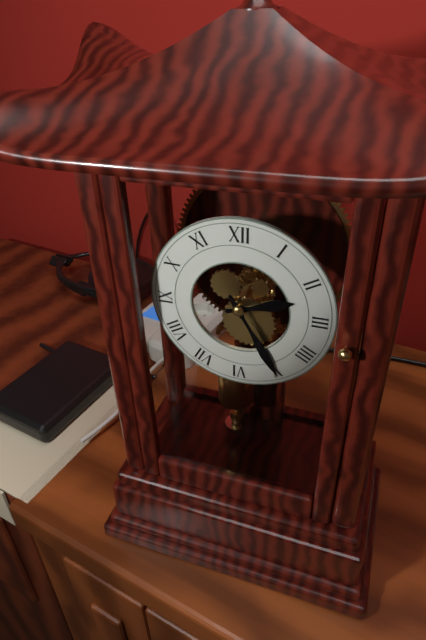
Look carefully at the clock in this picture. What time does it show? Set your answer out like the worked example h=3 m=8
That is h=2 m=25
